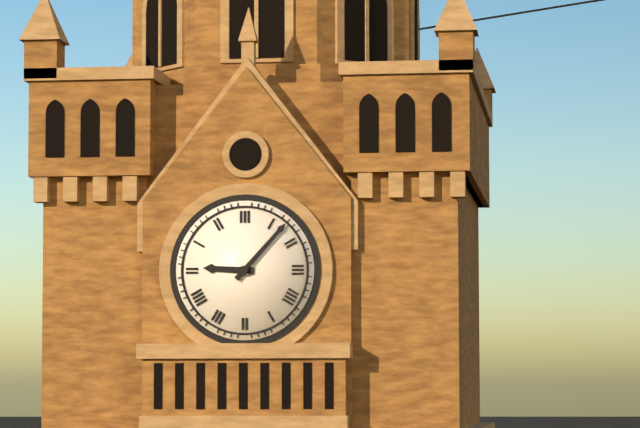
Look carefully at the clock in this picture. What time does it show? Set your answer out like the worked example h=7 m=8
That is h=9 m=7
